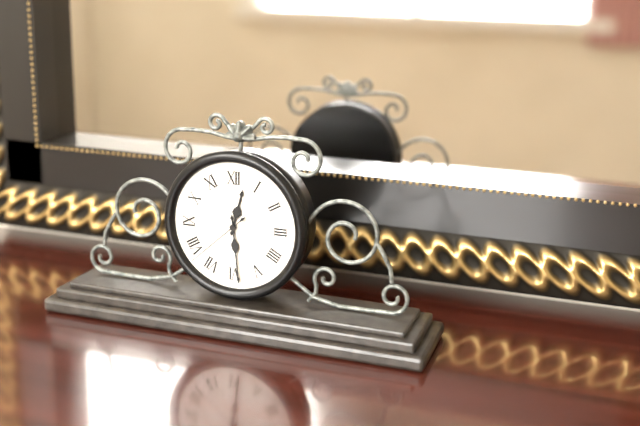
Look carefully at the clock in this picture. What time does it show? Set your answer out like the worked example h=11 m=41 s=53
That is h=12 m=29 s=38
